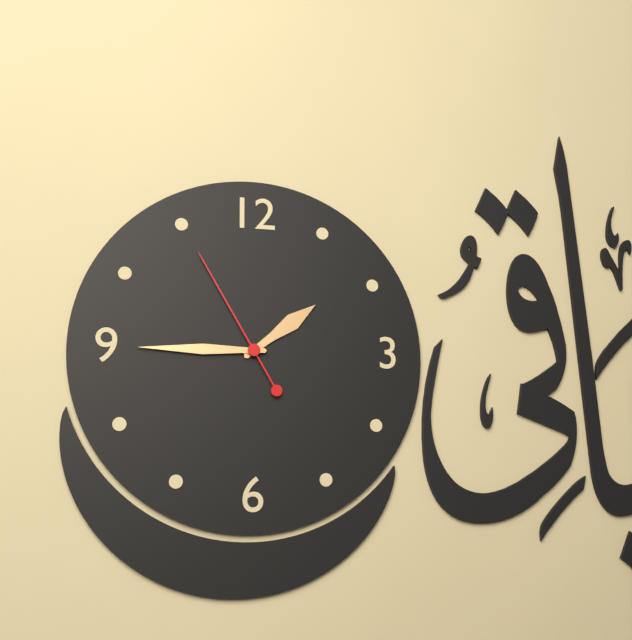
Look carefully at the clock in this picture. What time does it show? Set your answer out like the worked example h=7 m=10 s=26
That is h=1 m=45 s=55
